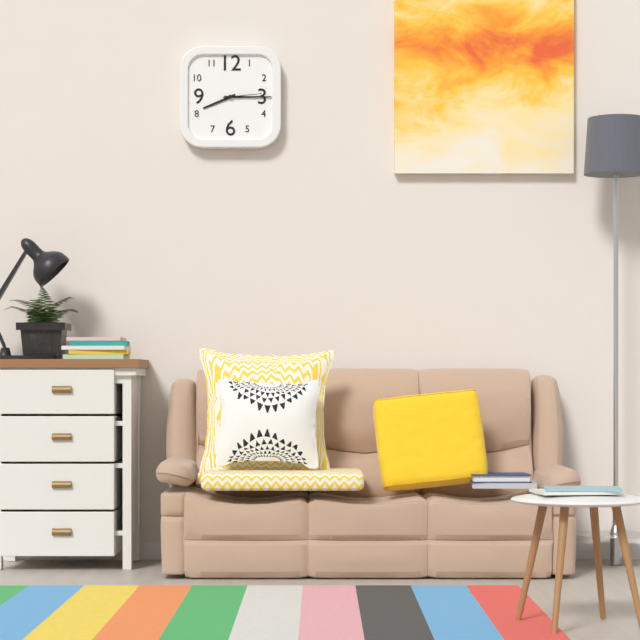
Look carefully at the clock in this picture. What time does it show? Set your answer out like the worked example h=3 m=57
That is h=8 m=15
